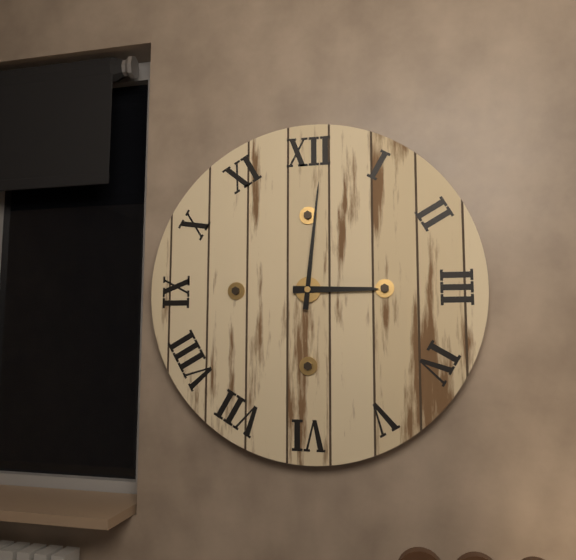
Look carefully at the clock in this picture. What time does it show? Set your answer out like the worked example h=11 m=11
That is h=3 m=1
